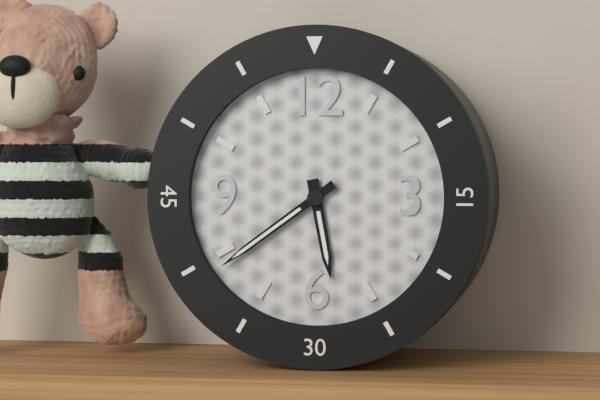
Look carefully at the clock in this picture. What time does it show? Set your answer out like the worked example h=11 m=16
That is h=5 m=39
